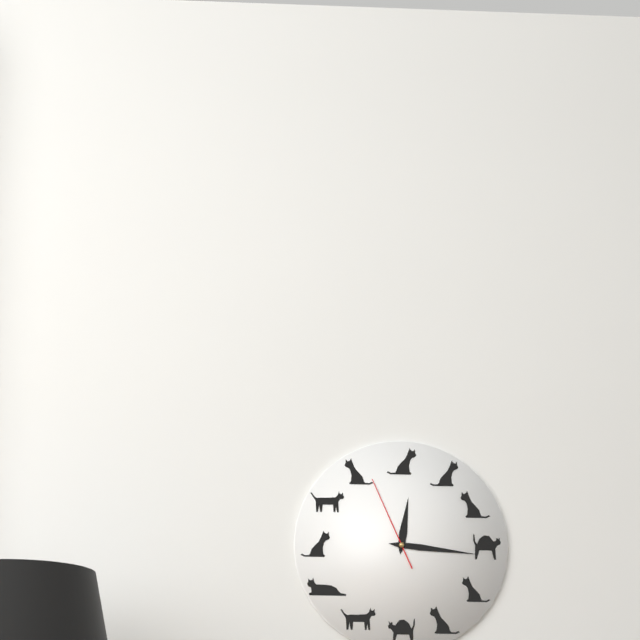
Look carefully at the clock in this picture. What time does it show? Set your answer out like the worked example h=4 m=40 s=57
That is h=12 m=16 s=56
